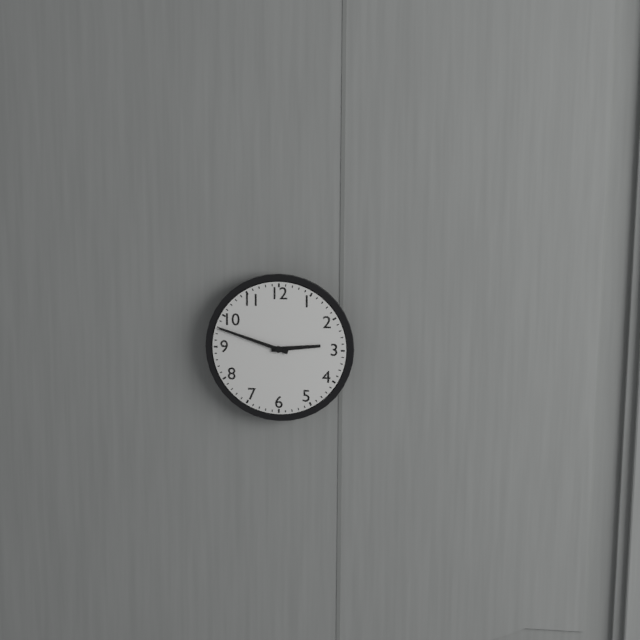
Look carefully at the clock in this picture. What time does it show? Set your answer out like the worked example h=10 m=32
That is h=2 m=48
